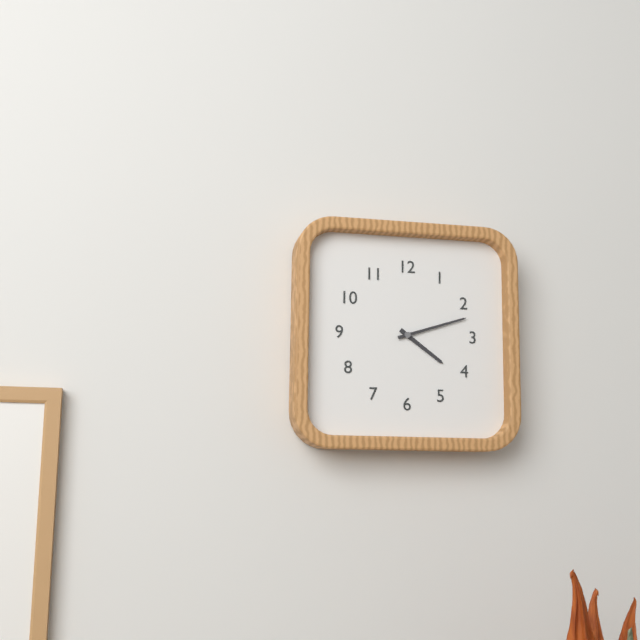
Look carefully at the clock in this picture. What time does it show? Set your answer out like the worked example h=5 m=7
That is h=4 m=12
